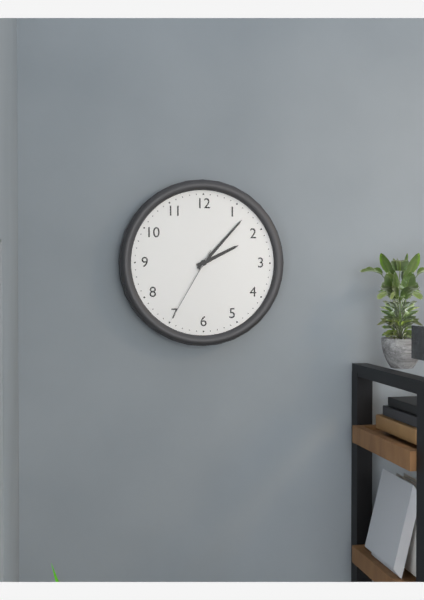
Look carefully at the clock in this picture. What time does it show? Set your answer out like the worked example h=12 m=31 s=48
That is h=2 m=7 s=35
